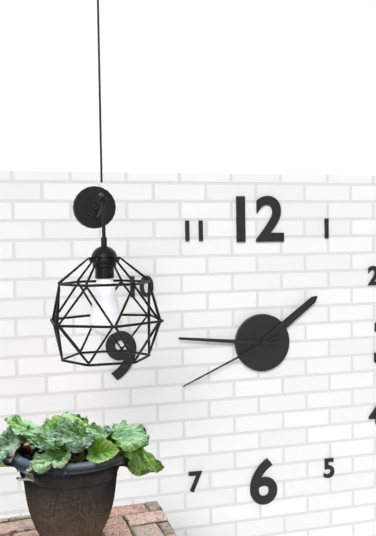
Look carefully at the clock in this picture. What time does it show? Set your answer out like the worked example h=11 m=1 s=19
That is h=1 m=46 s=41
